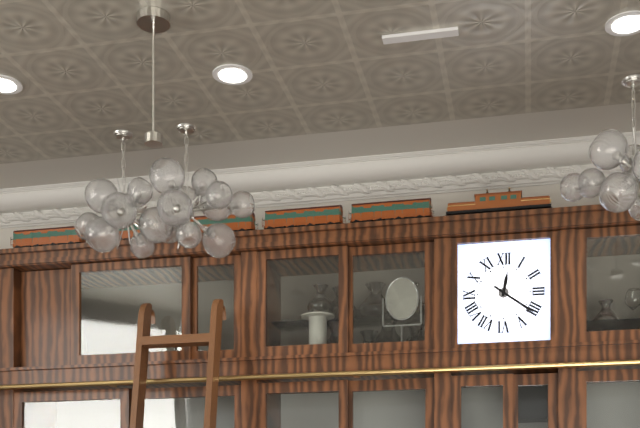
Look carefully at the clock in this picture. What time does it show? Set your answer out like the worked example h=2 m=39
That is h=12 m=21
